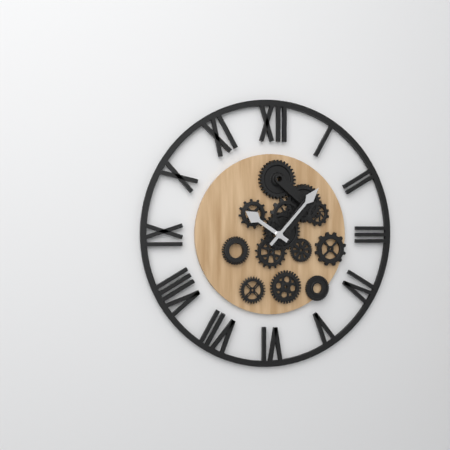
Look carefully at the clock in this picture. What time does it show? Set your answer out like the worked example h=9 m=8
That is h=10 m=7
